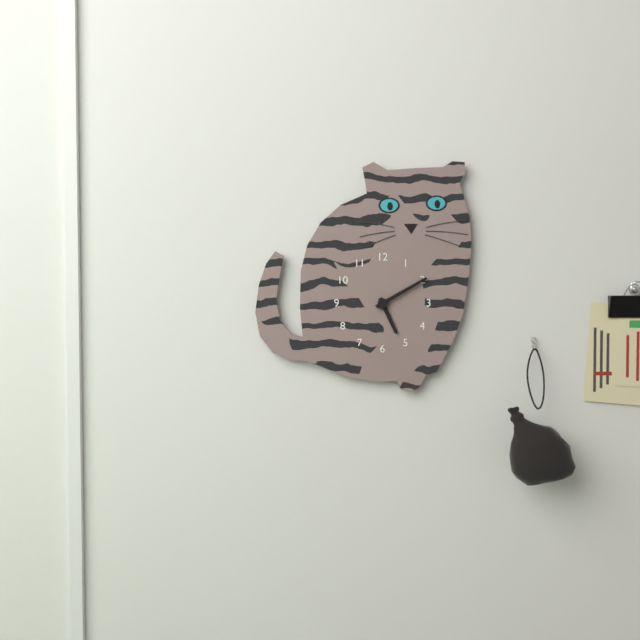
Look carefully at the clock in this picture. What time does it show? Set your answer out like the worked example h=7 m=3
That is h=5 m=10
